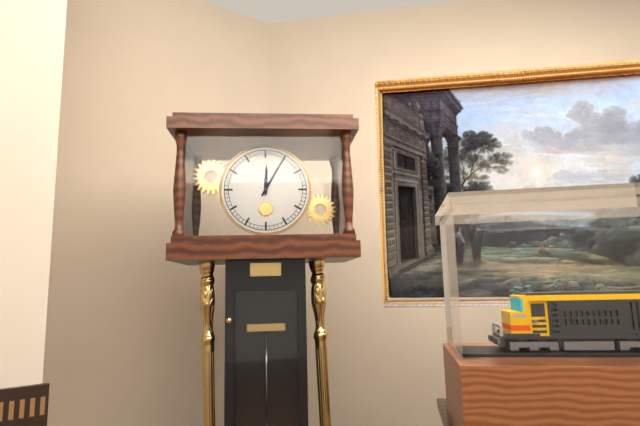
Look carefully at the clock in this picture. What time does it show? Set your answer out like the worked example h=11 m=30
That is h=12 m=5
